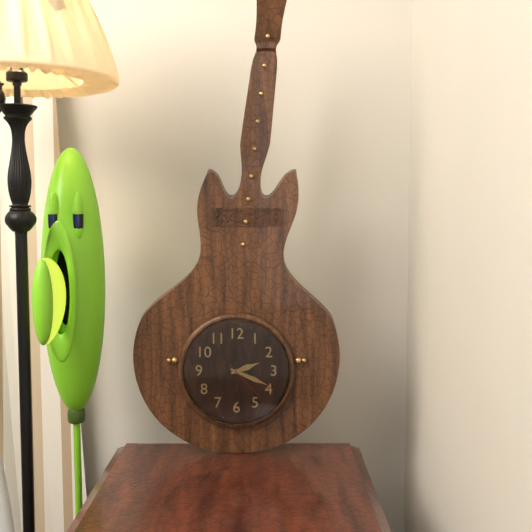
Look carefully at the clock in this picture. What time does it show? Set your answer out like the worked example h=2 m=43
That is h=2 m=19
